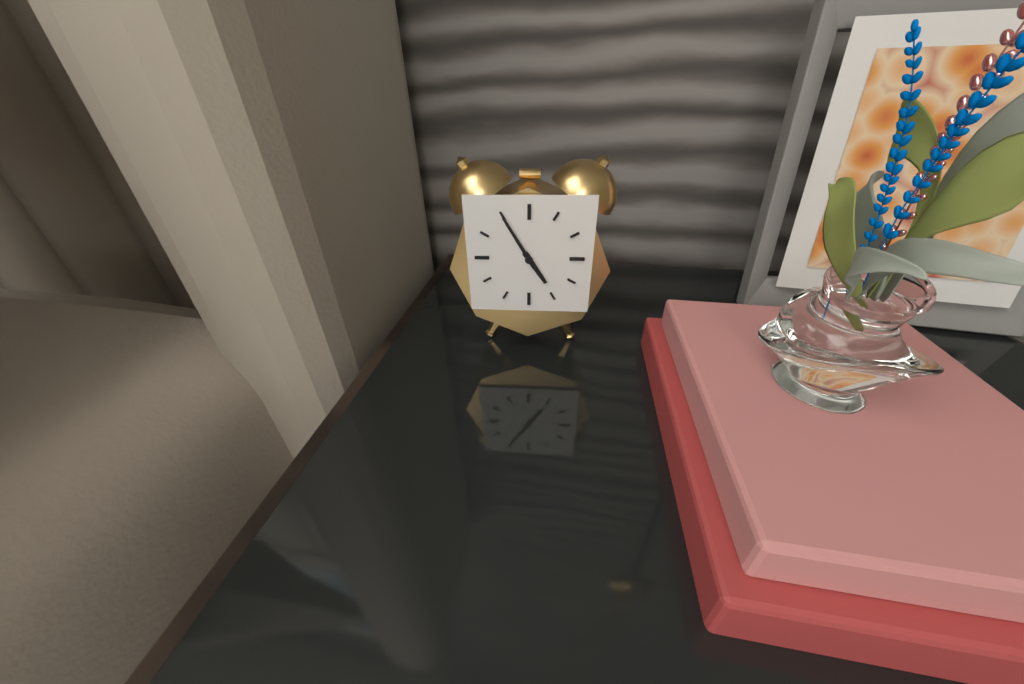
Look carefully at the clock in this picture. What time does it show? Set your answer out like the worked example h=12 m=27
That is h=4 m=55
